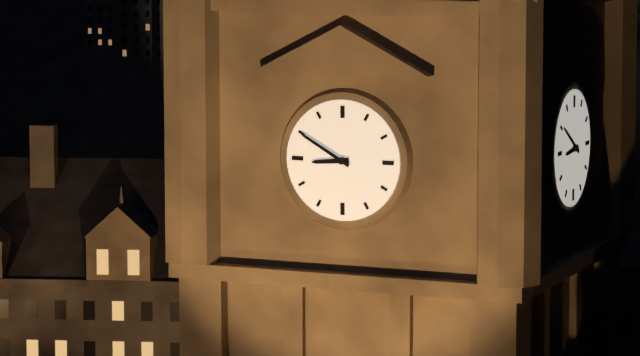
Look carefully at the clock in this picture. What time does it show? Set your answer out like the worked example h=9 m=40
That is h=8 m=50
